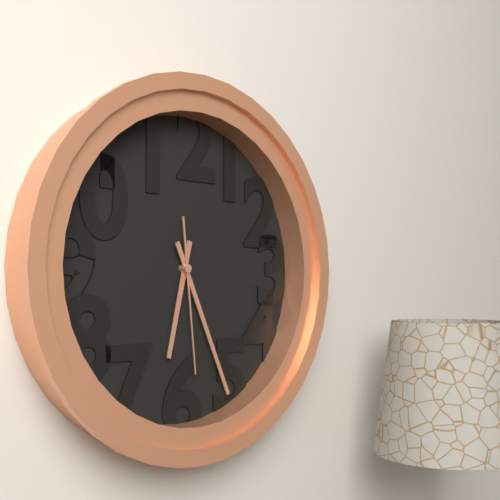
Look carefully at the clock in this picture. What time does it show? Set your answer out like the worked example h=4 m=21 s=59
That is h=6 m=26 s=29
